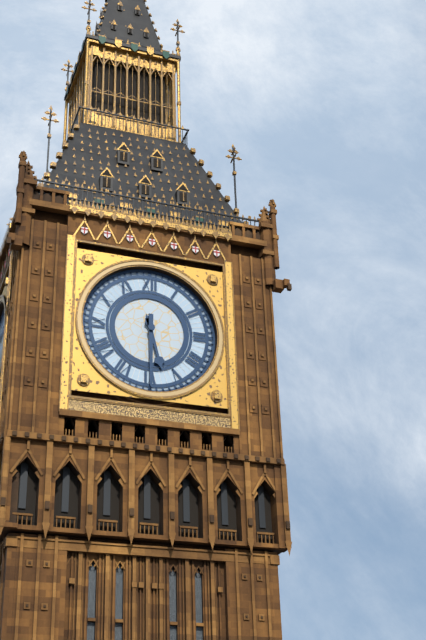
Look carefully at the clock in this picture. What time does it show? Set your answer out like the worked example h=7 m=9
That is h=5 m=30
